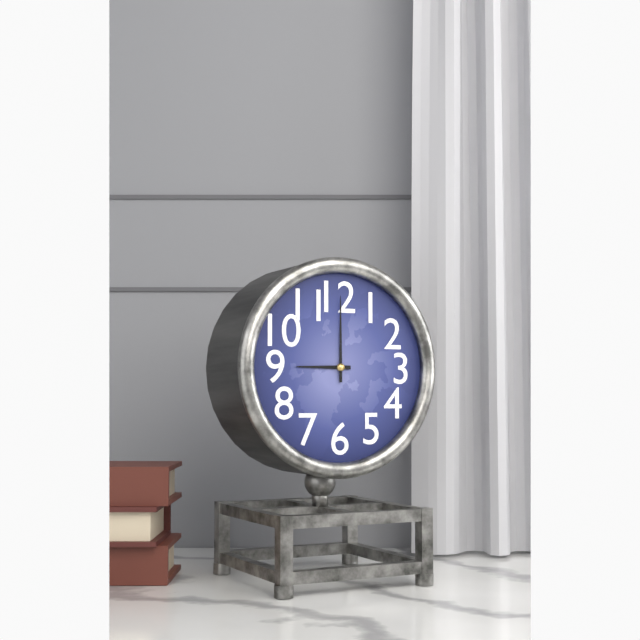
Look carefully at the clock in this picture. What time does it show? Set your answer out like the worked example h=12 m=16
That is h=9 m=0
